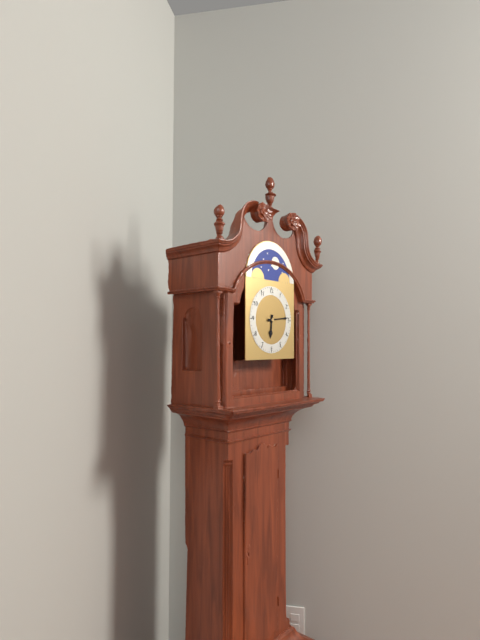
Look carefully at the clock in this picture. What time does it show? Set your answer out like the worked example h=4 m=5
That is h=6 m=14
